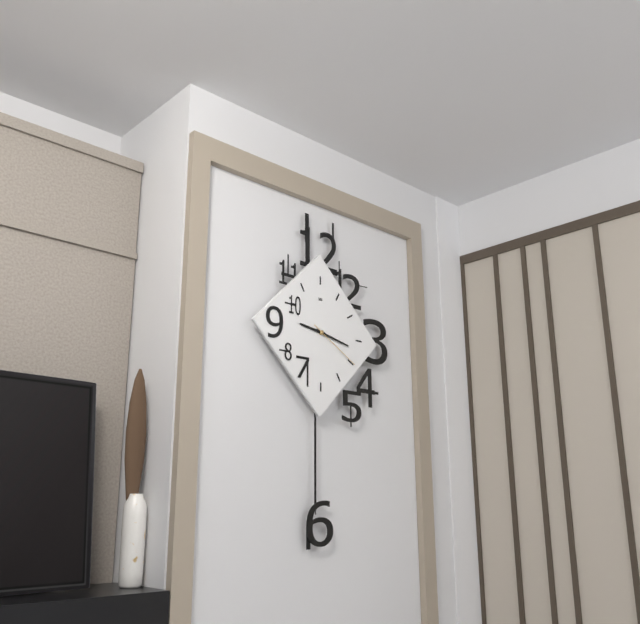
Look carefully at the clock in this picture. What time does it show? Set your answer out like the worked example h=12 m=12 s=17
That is h=9 m=17 s=20
